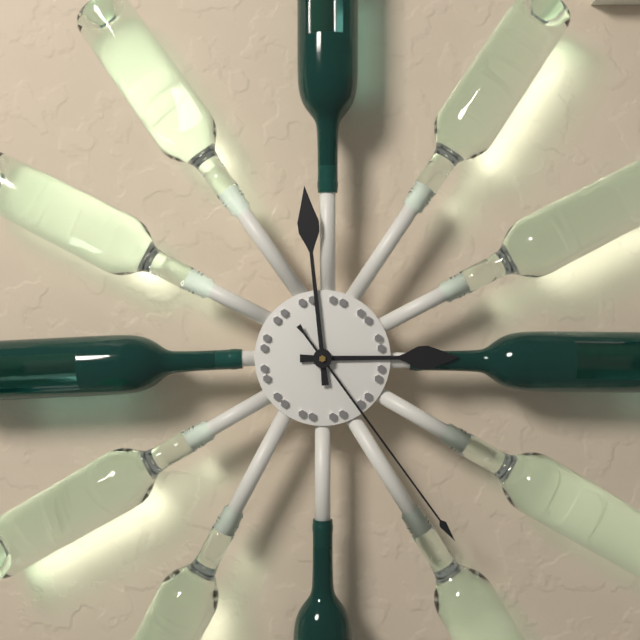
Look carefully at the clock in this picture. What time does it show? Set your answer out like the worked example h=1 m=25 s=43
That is h=2 m=59 s=24
